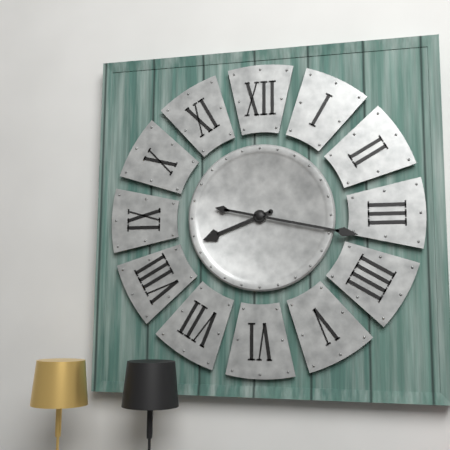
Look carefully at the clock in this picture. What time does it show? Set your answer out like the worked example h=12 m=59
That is h=8 m=17
